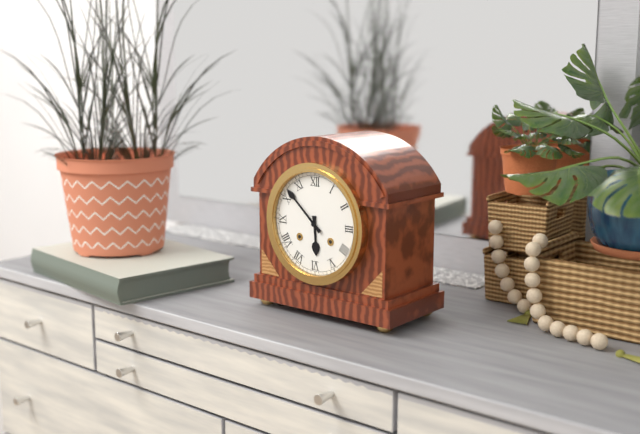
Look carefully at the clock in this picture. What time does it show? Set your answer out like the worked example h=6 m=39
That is h=5 m=52
